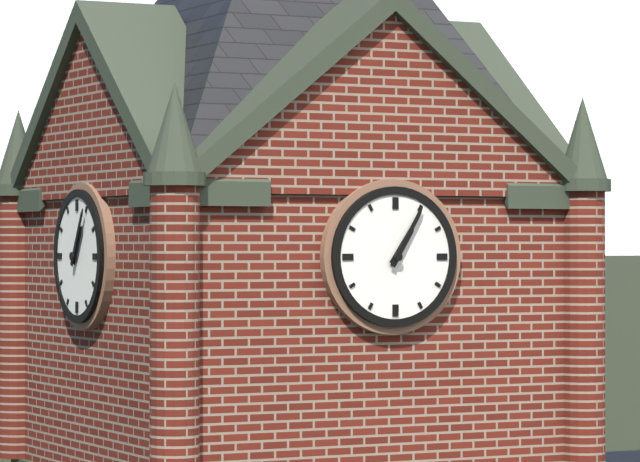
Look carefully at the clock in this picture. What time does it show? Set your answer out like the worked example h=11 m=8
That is h=1 m=5
